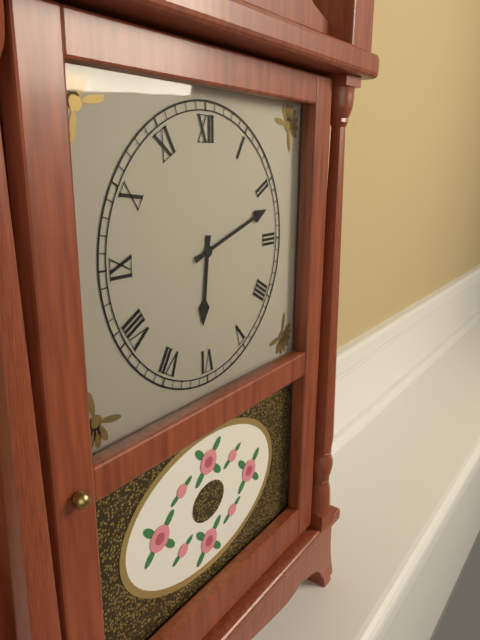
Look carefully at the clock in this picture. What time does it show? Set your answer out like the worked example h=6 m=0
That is h=6 m=12
